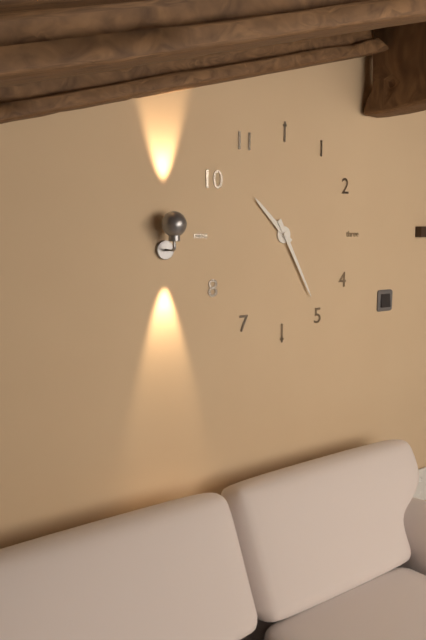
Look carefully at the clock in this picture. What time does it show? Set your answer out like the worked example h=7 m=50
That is h=10 m=25
